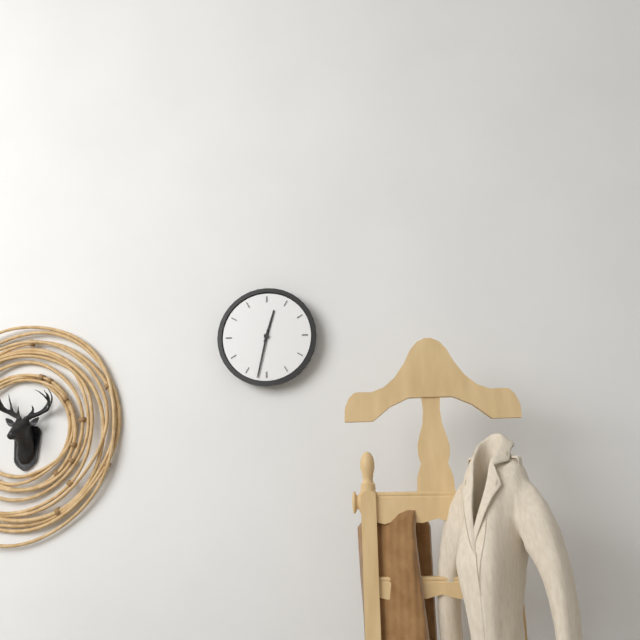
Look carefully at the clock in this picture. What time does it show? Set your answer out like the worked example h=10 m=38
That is h=12 m=32
